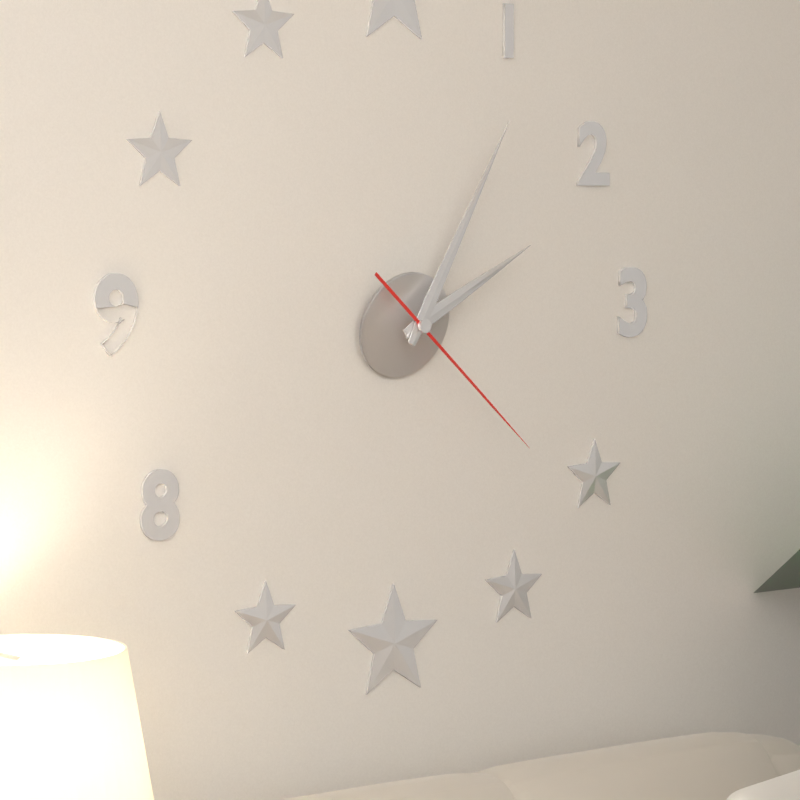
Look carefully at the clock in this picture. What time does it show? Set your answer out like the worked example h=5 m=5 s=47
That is h=2 m=5 s=22
